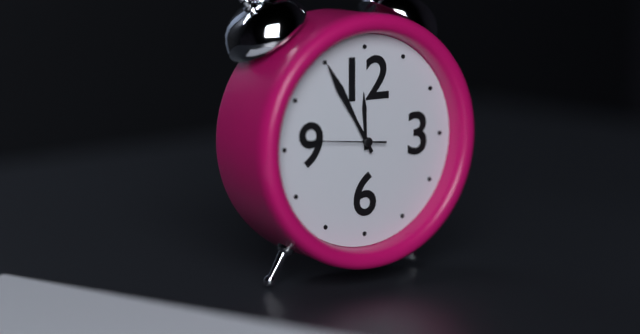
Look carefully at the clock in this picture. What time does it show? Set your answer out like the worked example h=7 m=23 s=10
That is h=11 m=55 s=46
